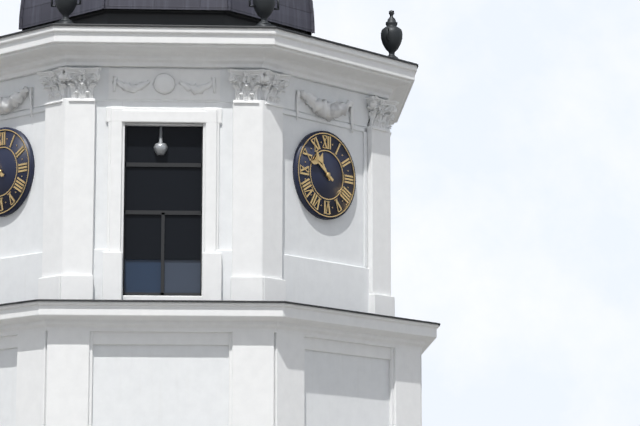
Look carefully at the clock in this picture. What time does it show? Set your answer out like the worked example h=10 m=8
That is h=10 m=51
